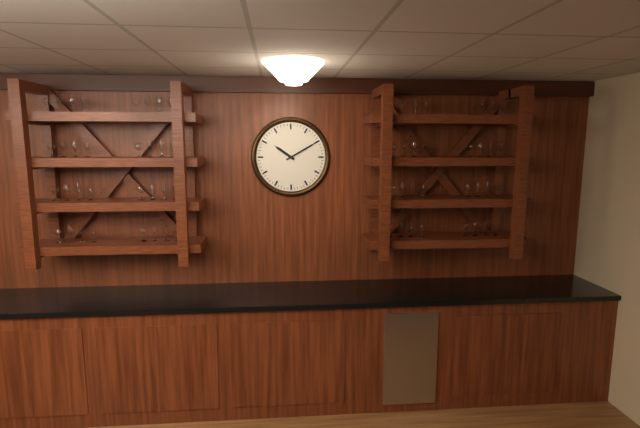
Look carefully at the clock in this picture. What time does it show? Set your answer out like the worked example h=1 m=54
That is h=10 m=10
